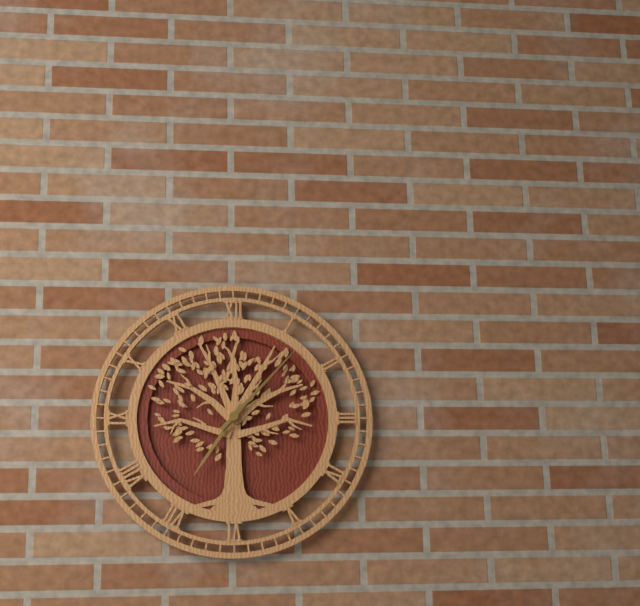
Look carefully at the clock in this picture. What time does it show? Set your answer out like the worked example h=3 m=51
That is h=7 m=7
